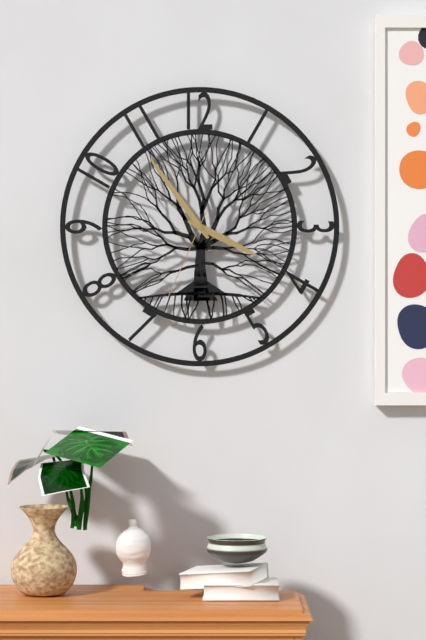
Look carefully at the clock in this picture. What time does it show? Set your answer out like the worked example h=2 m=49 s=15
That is h=3 m=54 s=34
